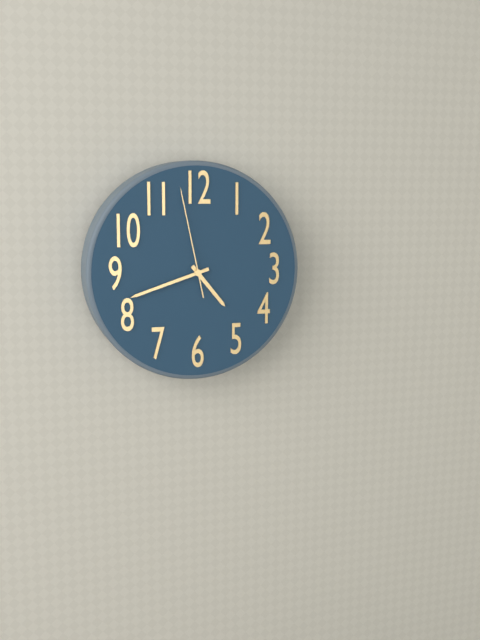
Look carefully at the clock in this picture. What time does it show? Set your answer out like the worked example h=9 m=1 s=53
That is h=4 m=42 s=58
